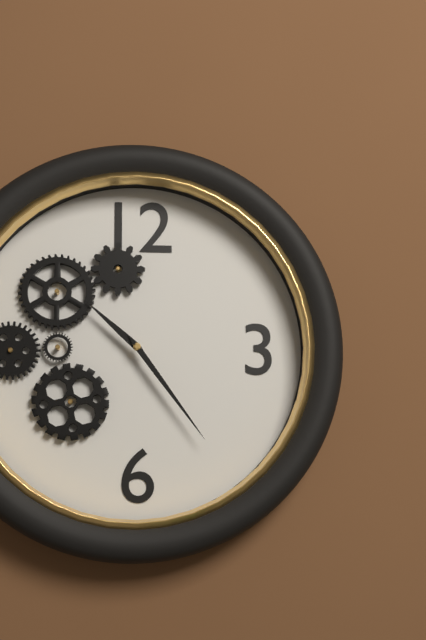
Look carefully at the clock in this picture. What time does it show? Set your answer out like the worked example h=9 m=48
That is h=10 m=24
